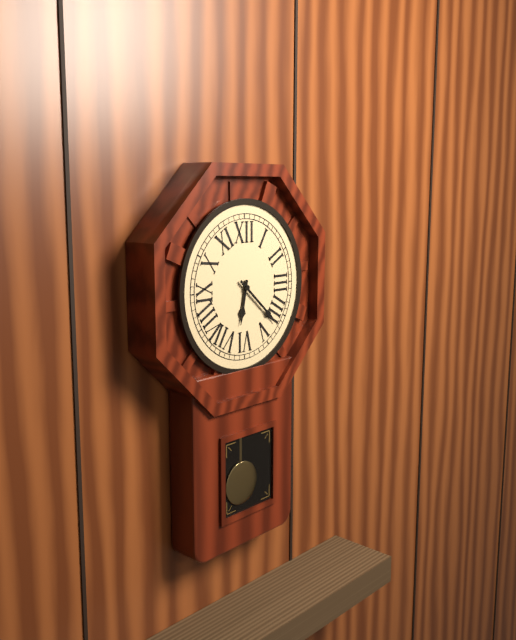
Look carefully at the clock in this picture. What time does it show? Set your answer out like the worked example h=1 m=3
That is h=6 m=22
